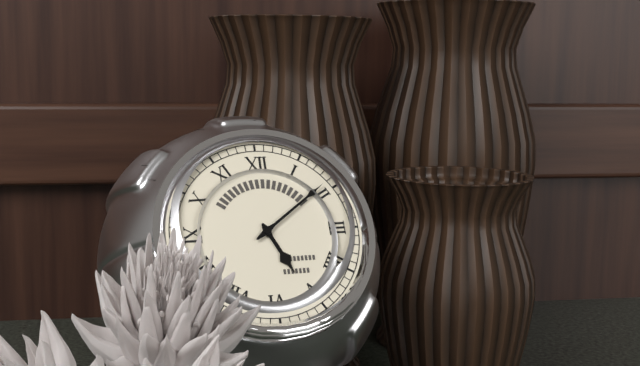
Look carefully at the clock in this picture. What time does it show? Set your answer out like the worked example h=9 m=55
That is h=5 m=9
